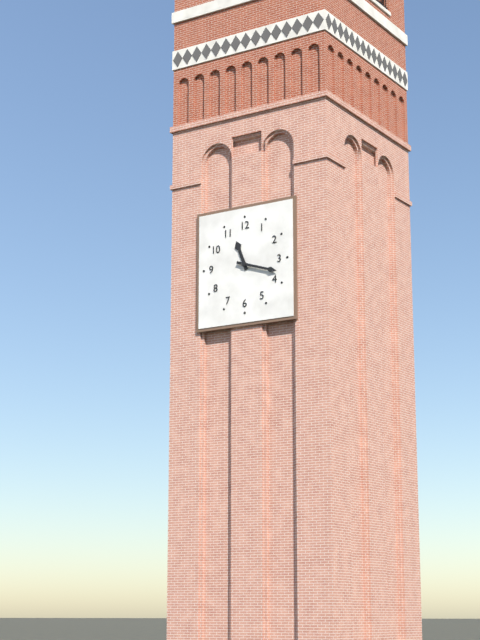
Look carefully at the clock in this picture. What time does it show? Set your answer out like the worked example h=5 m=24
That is h=11 m=18
